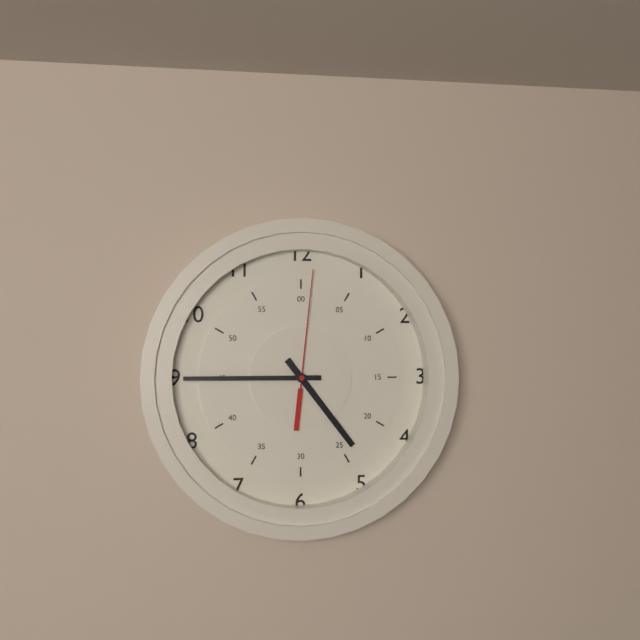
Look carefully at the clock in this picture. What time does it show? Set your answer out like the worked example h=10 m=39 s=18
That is h=4 m=45 s=1
